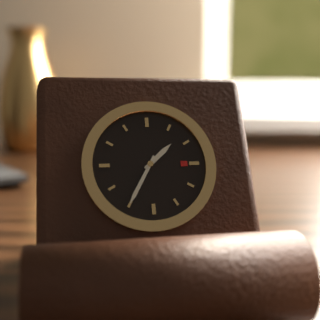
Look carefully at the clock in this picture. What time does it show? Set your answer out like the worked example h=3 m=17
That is h=1 m=35
